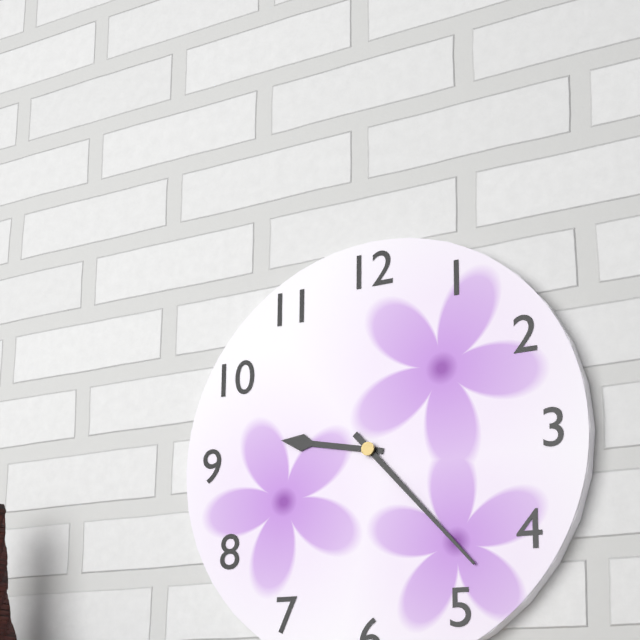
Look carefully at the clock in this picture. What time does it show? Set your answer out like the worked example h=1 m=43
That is h=9 m=23
